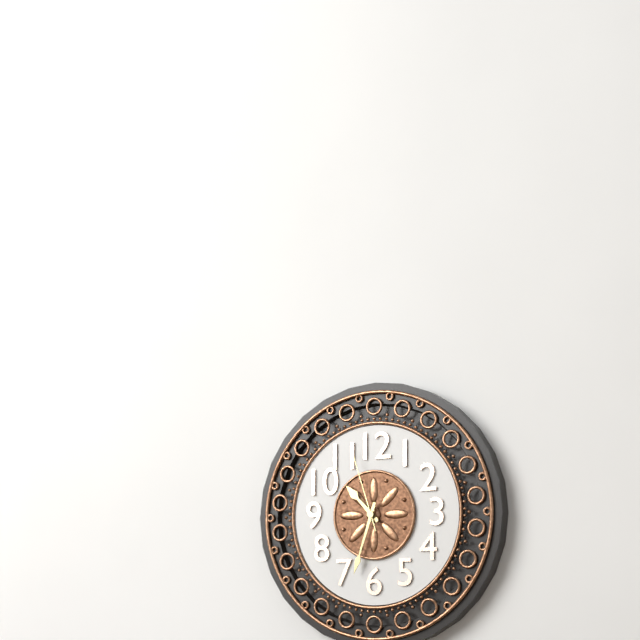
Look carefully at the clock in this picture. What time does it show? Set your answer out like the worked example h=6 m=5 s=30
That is h=10 m=33 s=57
